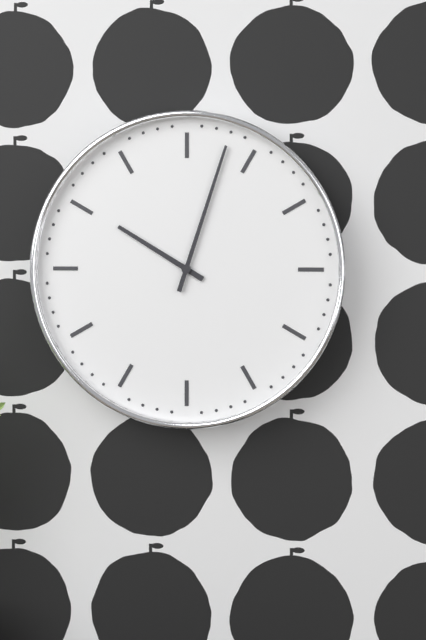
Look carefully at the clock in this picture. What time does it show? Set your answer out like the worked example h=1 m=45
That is h=10 m=3
